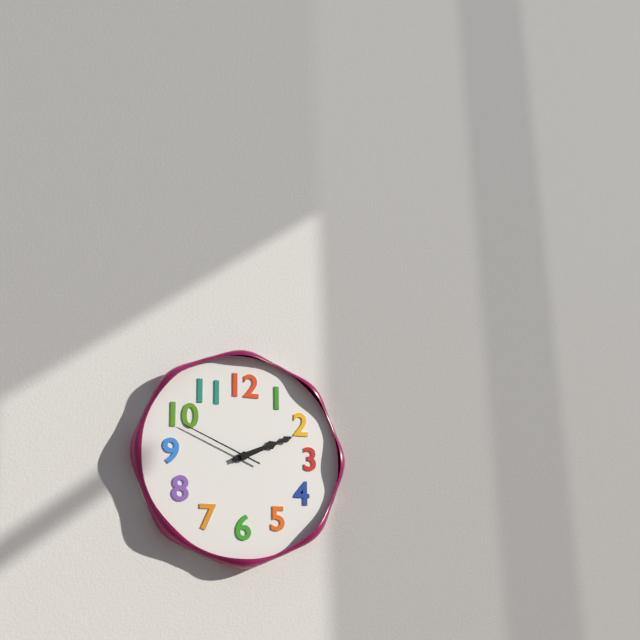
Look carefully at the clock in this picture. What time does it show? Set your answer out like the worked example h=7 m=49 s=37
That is h=2 m=11 s=49
